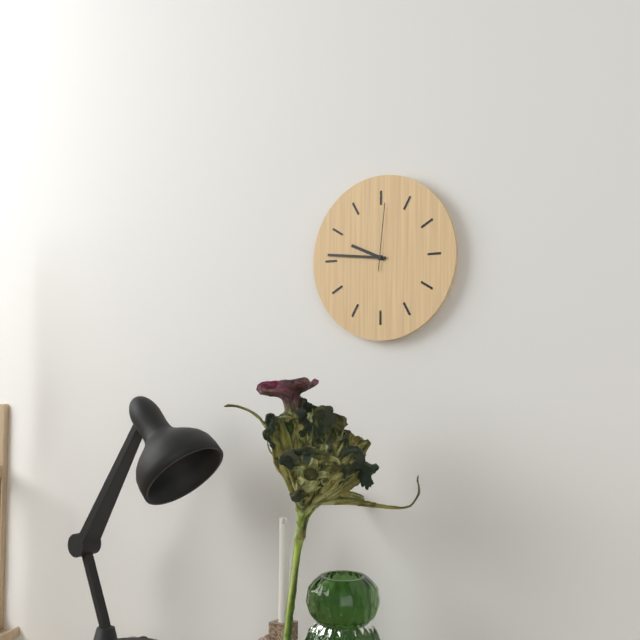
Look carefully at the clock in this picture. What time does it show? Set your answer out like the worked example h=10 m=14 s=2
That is h=9 m=46 s=1
